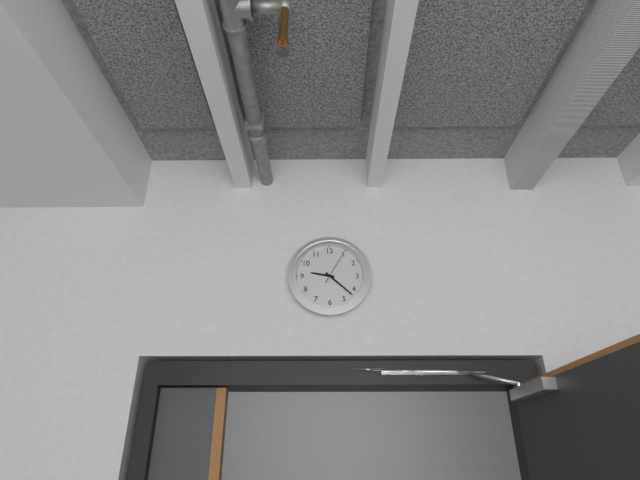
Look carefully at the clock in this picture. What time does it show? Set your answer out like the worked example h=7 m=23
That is h=9 m=22
